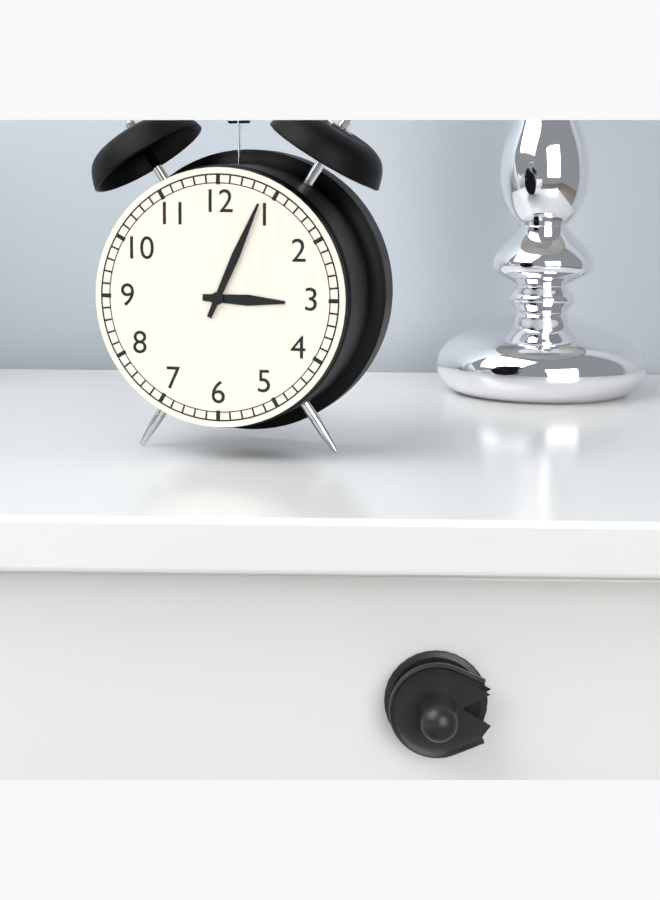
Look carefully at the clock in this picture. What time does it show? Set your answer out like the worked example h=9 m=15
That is h=3 m=4
